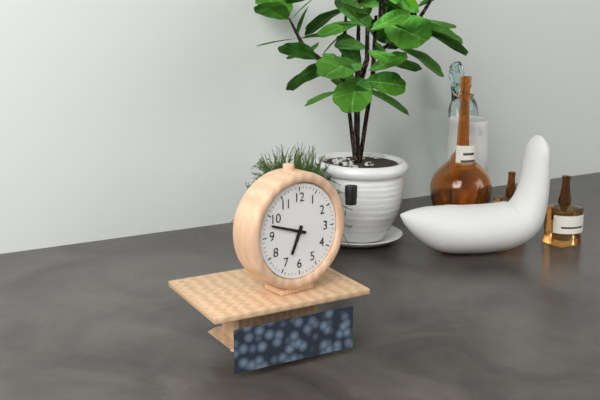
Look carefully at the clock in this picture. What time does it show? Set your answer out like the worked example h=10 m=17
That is h=6 m=48
